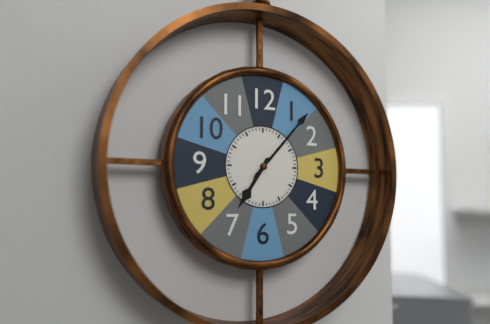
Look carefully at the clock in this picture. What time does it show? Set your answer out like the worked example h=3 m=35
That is h=7 m=7
